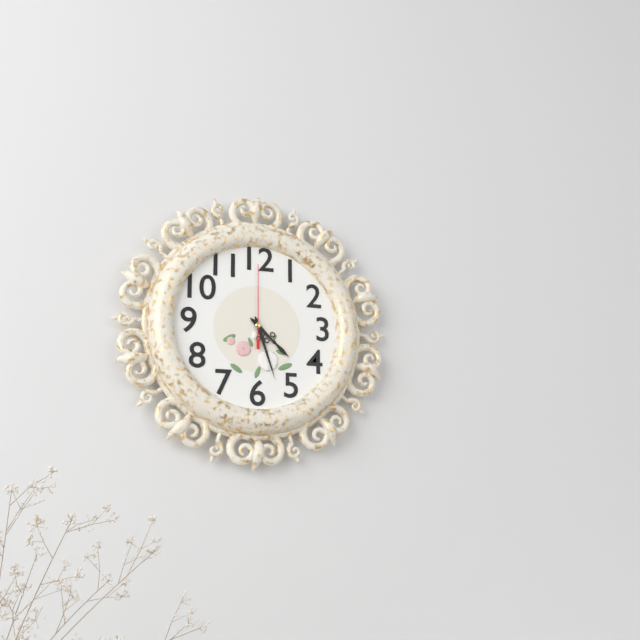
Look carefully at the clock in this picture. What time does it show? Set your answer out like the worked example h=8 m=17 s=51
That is h=4 m=27 s=0
